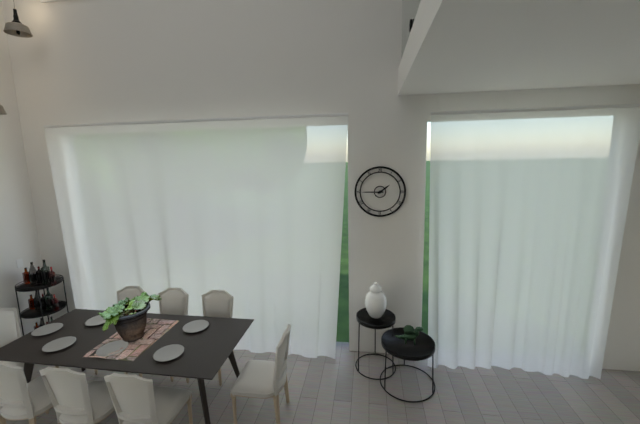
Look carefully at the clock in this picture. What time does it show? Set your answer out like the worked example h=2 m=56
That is h=1 m=45
